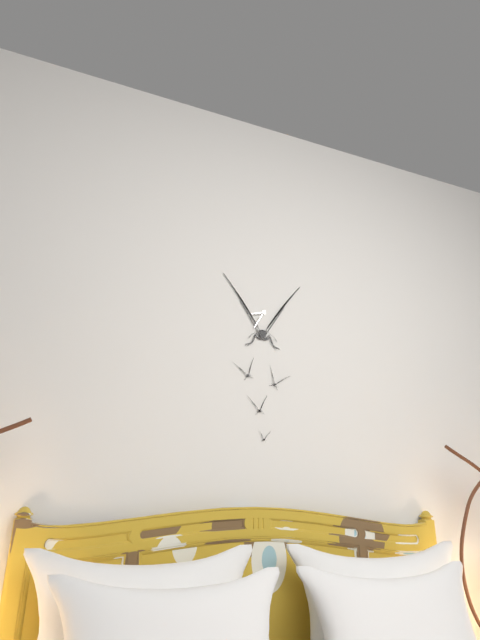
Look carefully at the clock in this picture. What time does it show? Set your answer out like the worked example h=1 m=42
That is h=8 m=35
